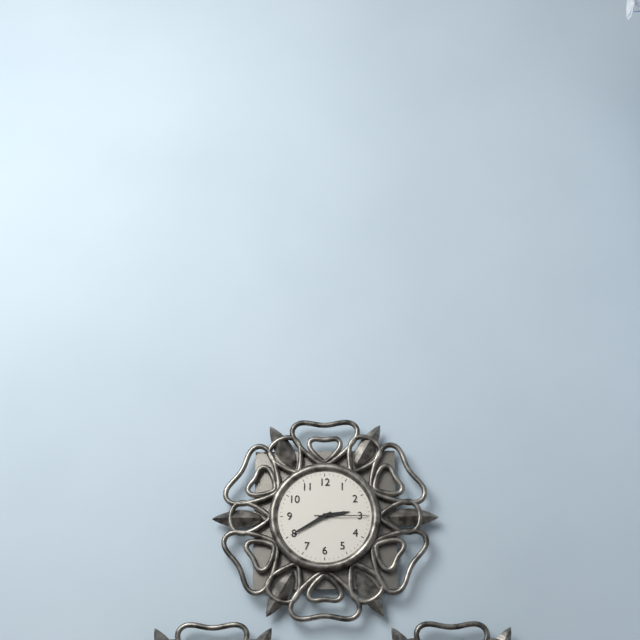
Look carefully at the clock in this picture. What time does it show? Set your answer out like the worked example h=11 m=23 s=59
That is h=2 m=40 s=15
